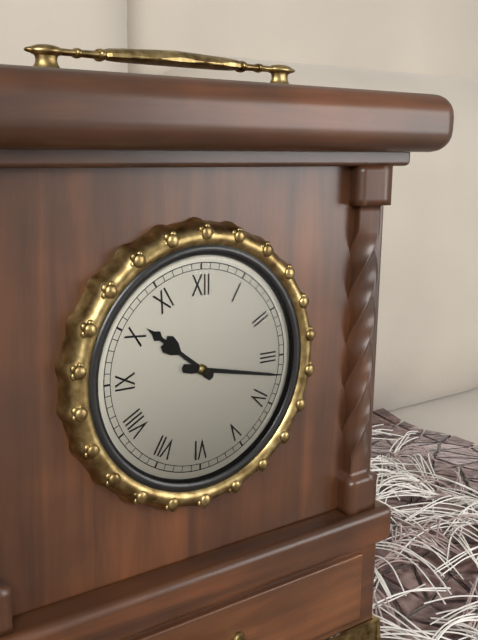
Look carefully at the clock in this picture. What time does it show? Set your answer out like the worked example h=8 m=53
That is h=10 m=17
